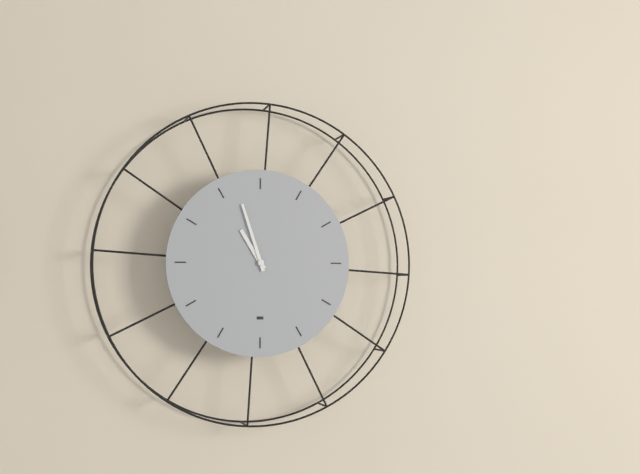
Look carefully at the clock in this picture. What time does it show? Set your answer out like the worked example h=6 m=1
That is h=10 m=57
